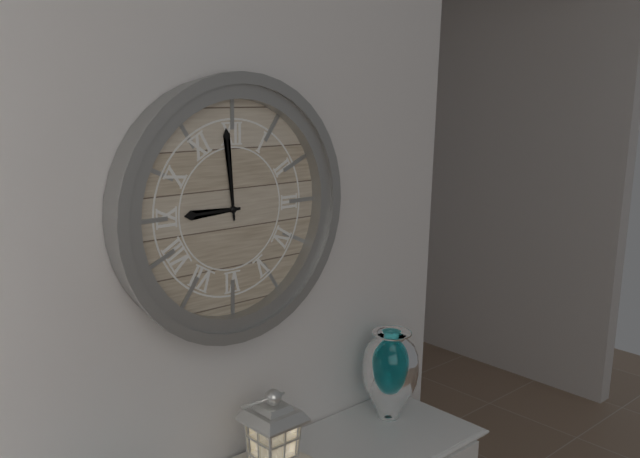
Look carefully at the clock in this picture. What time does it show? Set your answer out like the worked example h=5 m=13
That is h=8 m=59
